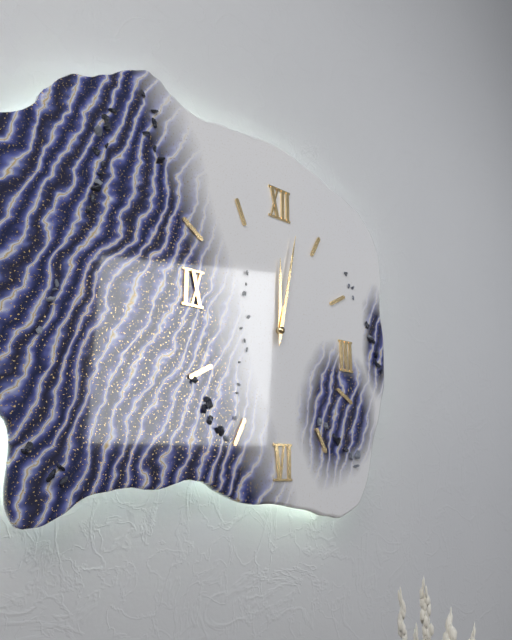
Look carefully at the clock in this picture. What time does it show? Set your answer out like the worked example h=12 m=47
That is h=12 m=2
